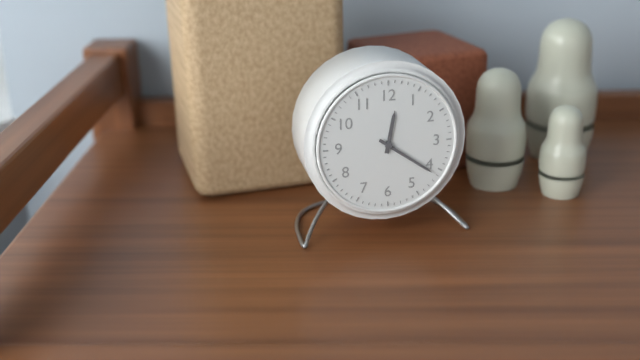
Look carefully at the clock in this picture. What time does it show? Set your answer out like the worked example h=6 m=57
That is h=12 m=21
